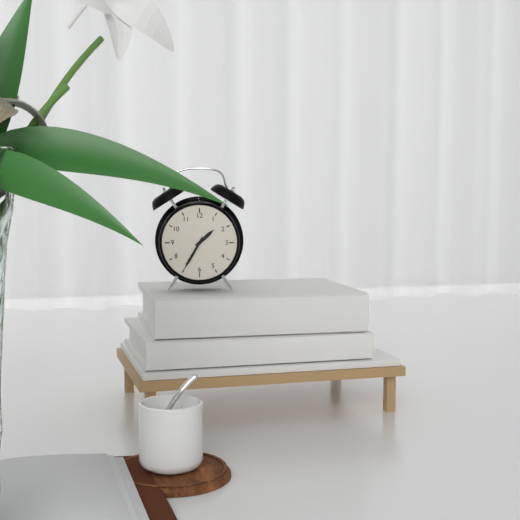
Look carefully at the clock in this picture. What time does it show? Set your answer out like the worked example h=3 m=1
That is h=1 m=35
